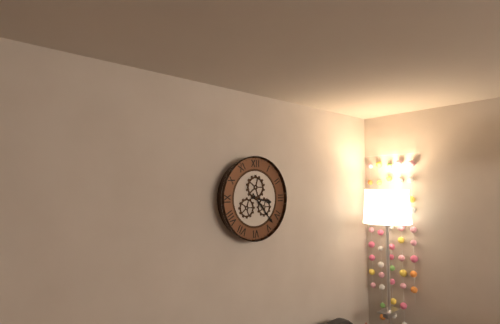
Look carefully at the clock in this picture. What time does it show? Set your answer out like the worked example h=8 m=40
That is h=3 m=23
